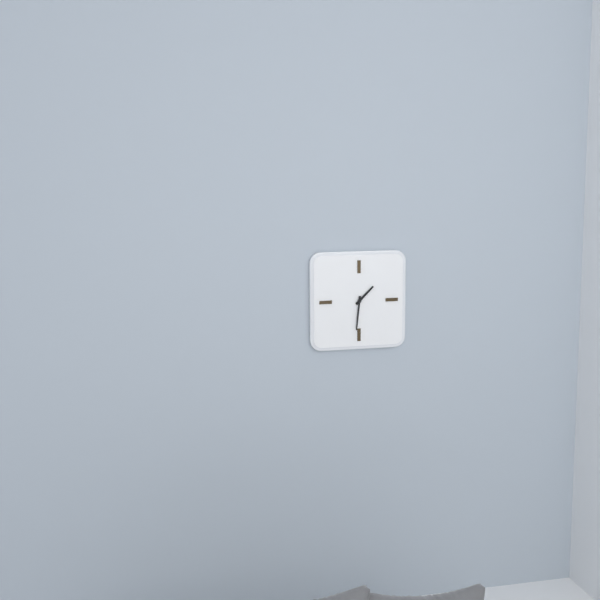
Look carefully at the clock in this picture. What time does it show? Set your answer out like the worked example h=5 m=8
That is h=1 m=31
